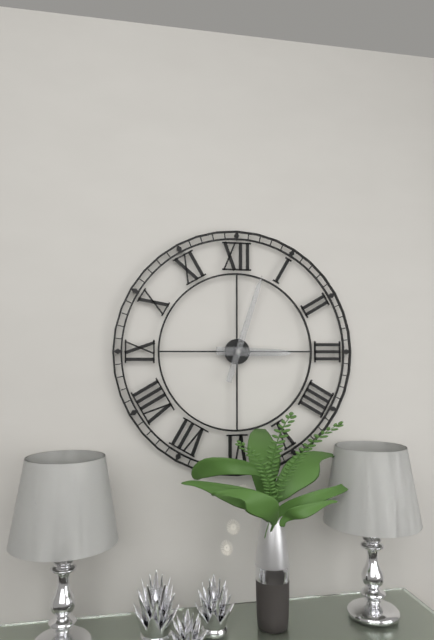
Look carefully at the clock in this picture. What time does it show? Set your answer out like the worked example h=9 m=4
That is h=3 m=3
